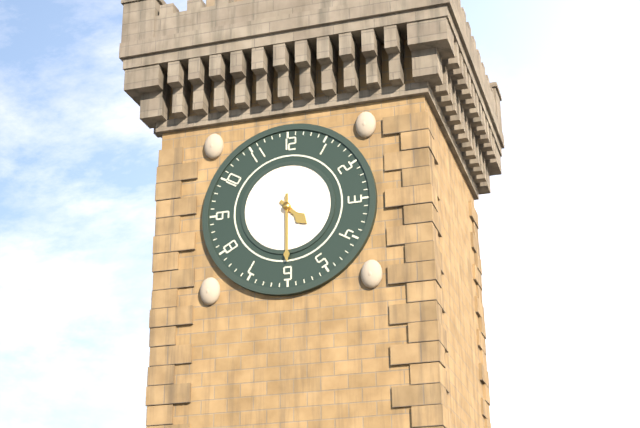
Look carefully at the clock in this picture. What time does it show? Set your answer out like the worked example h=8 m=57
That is h=4 m=30
